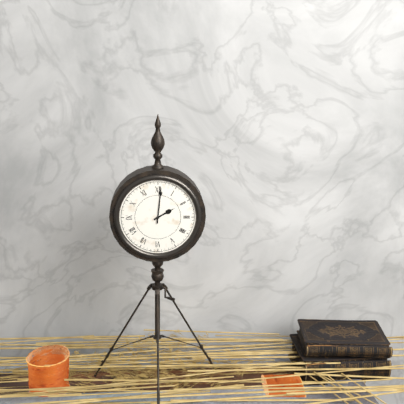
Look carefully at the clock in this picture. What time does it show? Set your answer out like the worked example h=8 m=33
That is h=2 m=1
